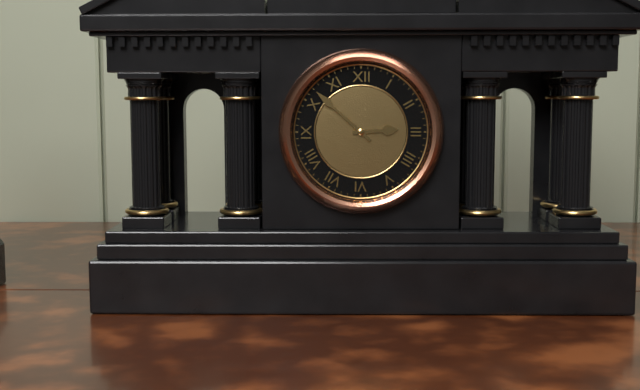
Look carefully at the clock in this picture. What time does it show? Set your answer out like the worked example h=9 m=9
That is h=2 m=52
